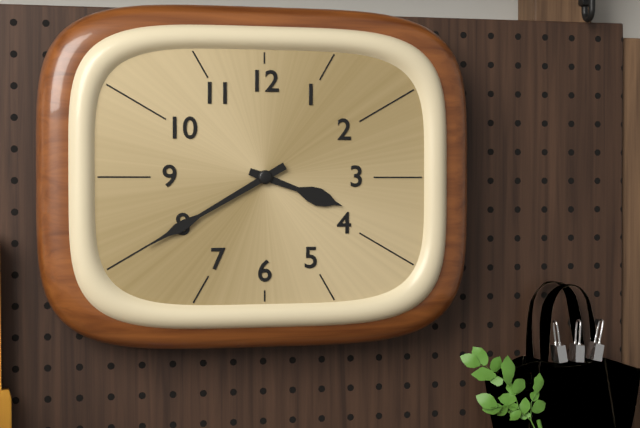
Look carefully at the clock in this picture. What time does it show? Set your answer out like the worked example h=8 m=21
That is h=3 m=40
